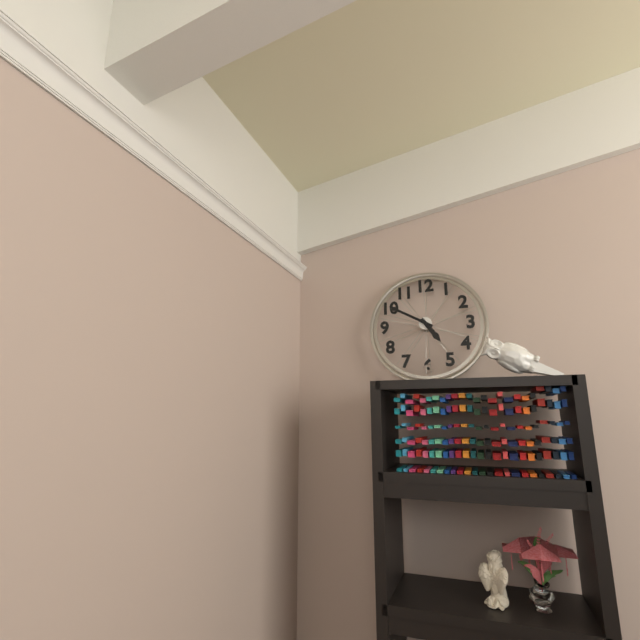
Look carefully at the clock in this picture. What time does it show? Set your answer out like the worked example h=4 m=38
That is h=4 m=50
